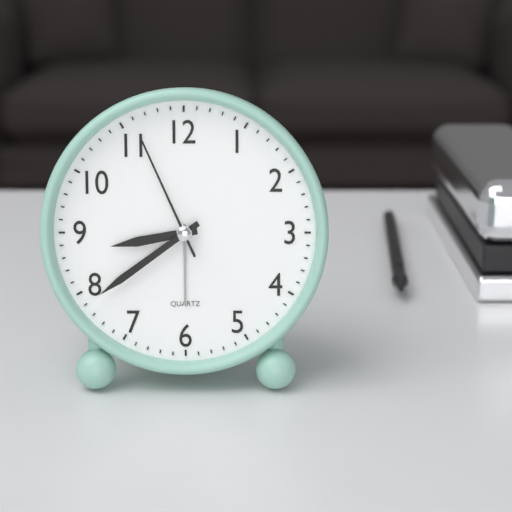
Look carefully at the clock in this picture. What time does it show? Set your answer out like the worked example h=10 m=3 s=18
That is h=8 m=39 s=56
